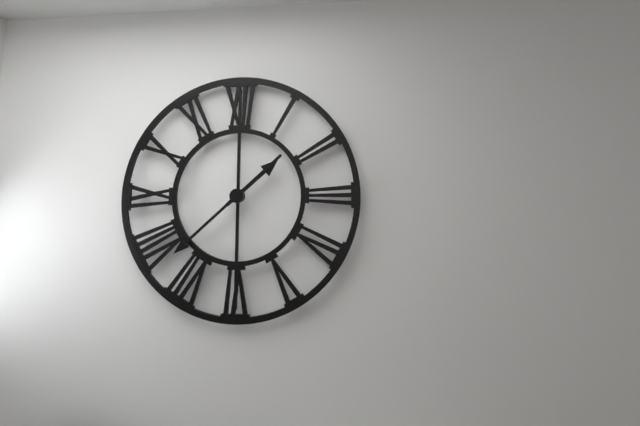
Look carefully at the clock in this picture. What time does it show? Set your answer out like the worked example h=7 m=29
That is h=1 m=38
